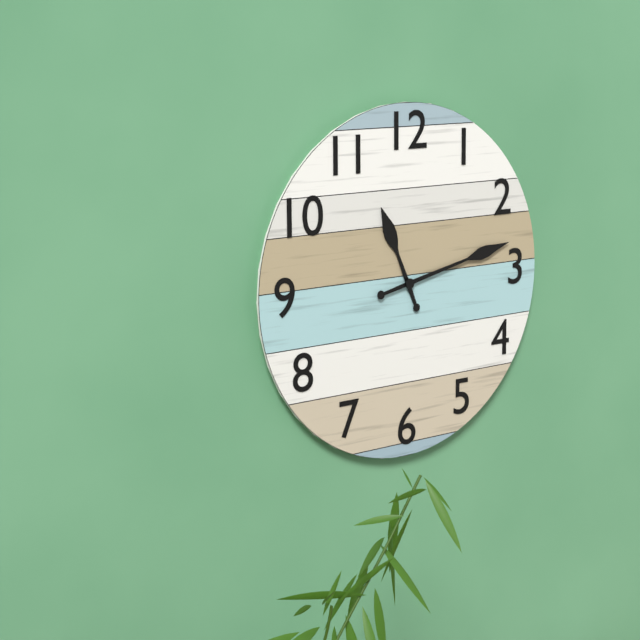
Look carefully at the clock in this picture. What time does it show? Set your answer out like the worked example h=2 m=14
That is h=11 m=13
